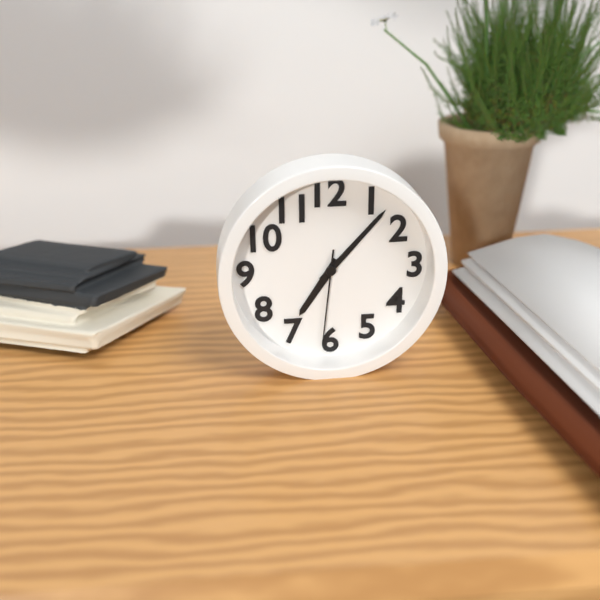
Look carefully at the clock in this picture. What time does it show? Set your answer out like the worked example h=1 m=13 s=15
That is h=7 m=7 s=31
